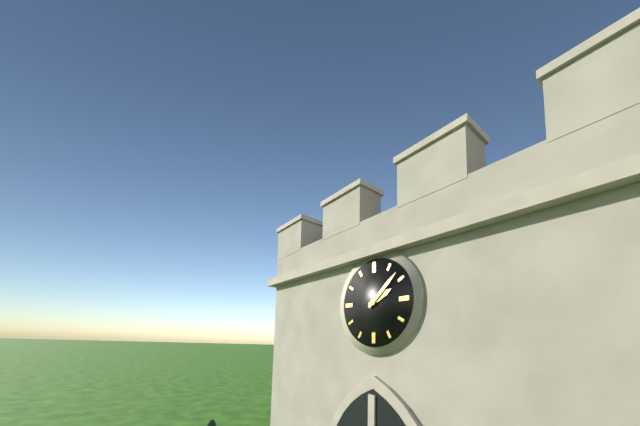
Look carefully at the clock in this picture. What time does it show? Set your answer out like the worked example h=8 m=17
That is h=2 m=8
